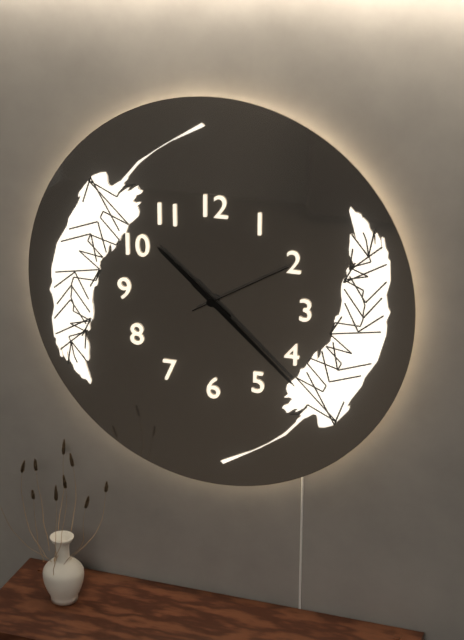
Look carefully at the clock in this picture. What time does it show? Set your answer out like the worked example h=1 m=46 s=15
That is h=10 m=22 s=10
